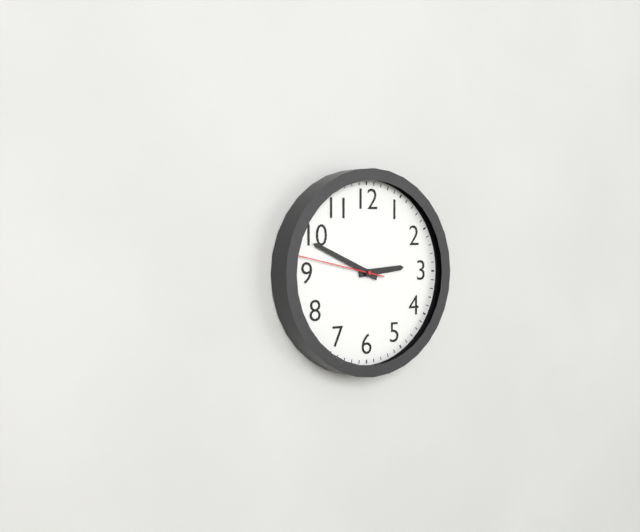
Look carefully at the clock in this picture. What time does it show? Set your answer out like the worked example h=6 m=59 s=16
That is h=2 m=49 s=47
